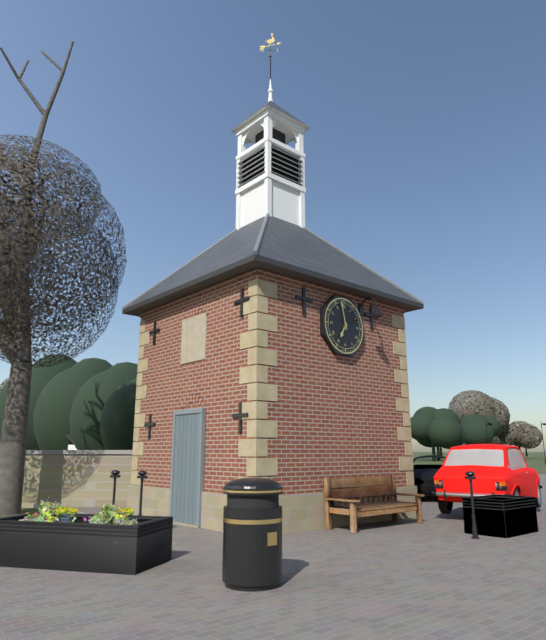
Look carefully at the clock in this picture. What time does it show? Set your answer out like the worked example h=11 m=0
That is h=6 m=58
